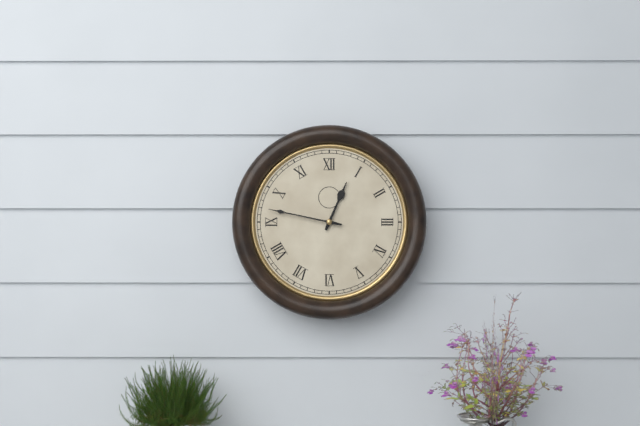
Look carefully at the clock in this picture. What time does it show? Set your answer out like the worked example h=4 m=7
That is h=12 m=47
